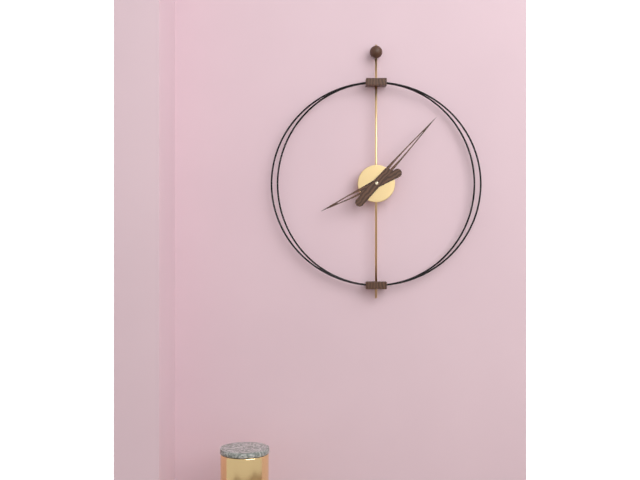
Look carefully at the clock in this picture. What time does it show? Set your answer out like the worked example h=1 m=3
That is h=8 m=7
